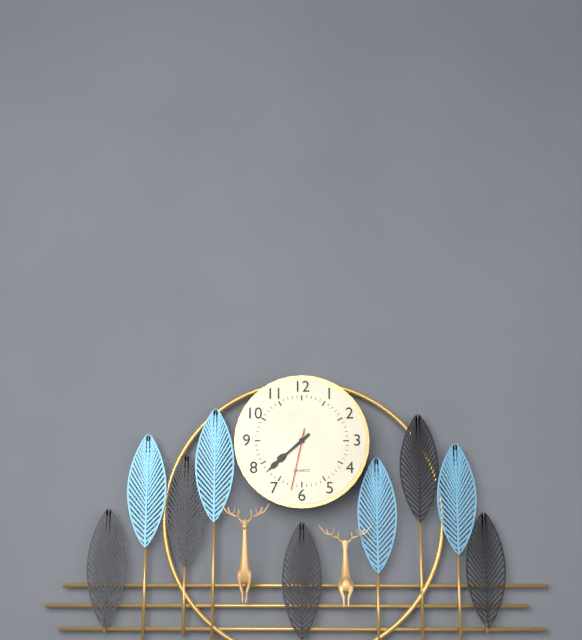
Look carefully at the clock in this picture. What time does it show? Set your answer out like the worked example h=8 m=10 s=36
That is h=7 m=38 s=32
